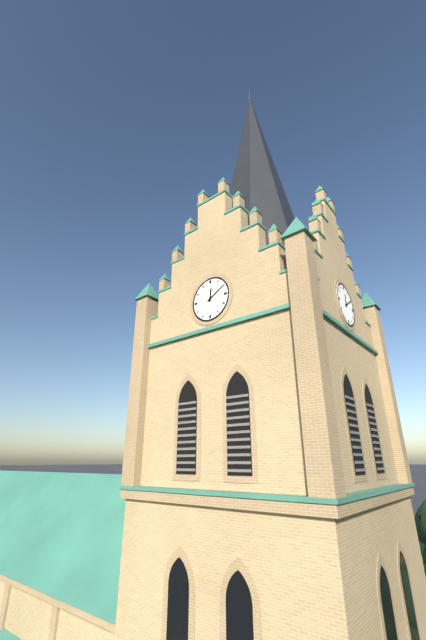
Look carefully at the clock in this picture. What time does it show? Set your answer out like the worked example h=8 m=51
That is h=12 m=10
